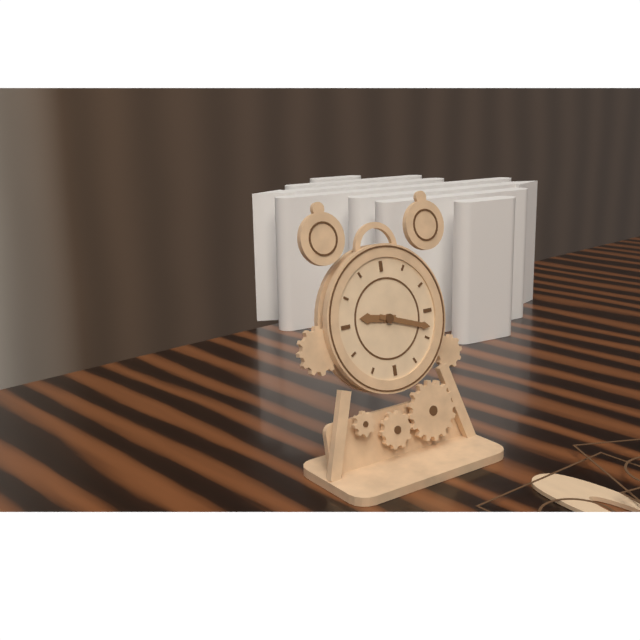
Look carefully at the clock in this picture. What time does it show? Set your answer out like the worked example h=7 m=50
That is h=9 m=18
